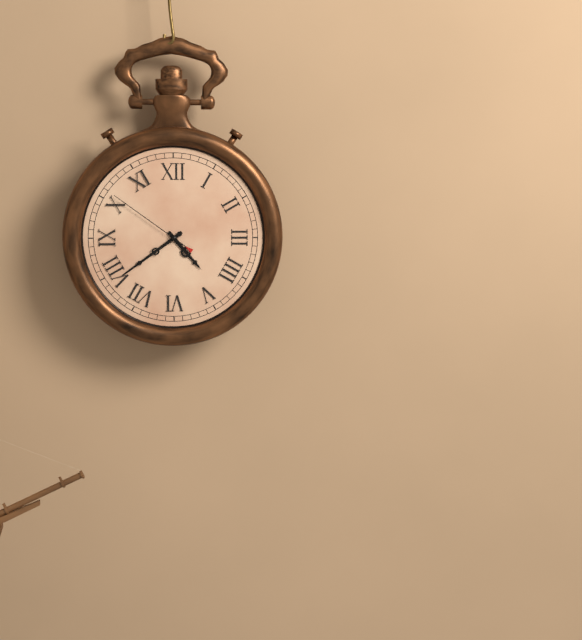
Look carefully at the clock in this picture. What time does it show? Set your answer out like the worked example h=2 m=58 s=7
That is h=4 m=39 s=51
